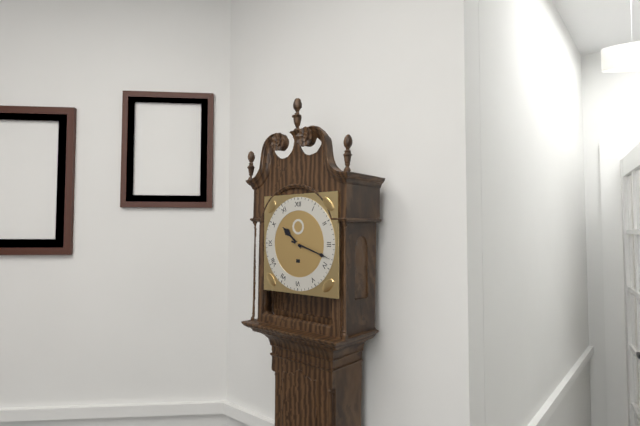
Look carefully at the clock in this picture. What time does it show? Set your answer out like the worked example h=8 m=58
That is h=10 m=18
